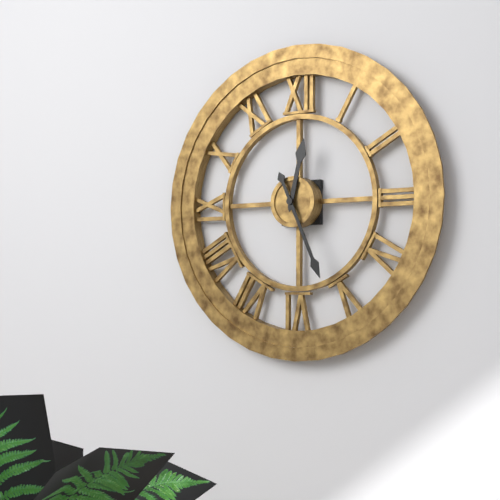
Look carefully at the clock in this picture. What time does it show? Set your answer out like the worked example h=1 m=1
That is h=12 m=26
